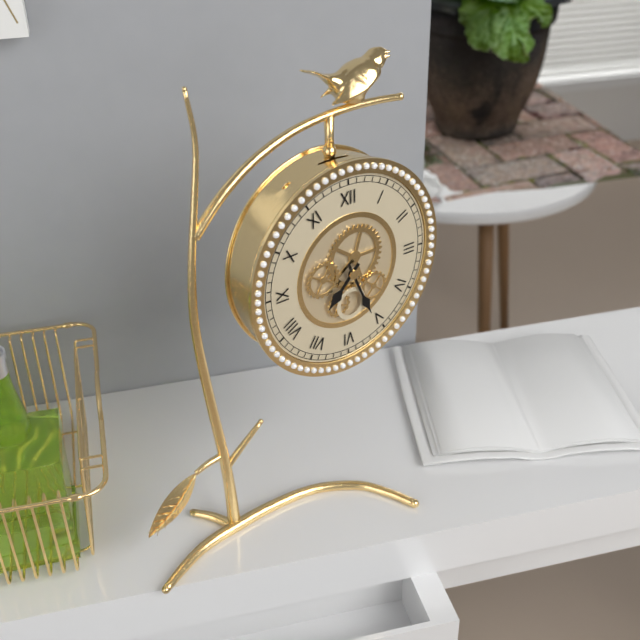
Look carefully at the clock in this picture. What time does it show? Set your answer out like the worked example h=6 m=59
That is h=7 m=26
